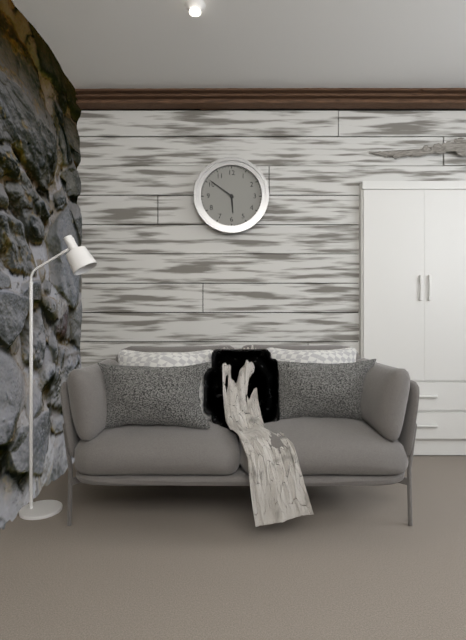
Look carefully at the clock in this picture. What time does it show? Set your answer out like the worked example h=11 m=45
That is h=5 m=51
